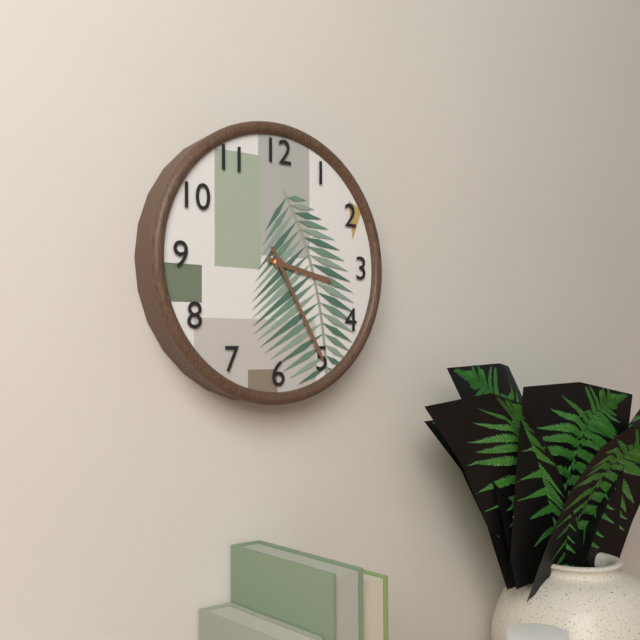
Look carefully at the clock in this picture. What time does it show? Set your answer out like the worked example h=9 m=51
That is h=3 m=25
